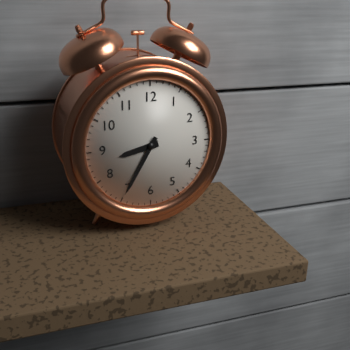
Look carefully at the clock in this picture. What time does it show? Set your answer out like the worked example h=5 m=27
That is h=8 m=35
